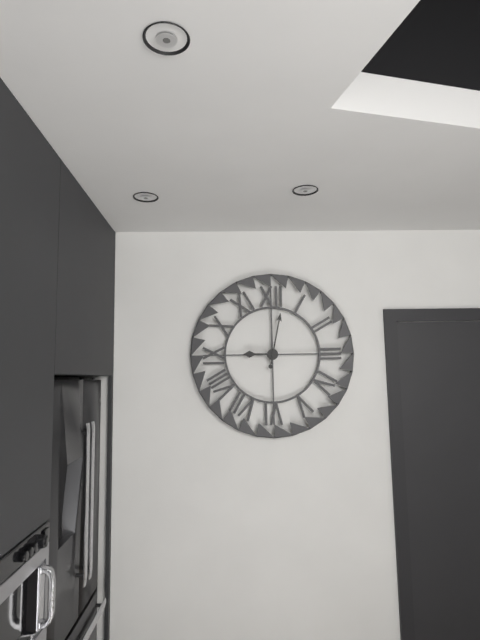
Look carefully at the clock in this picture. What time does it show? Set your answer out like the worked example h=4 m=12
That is h=9 m=2
